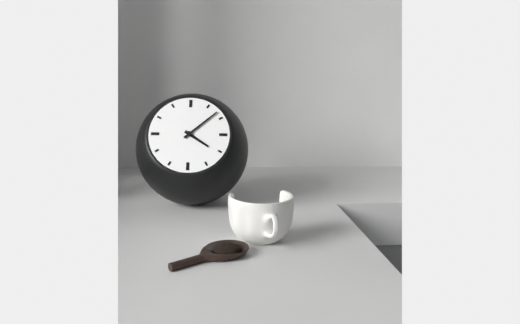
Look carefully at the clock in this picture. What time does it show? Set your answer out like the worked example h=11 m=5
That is h=4 m=8
